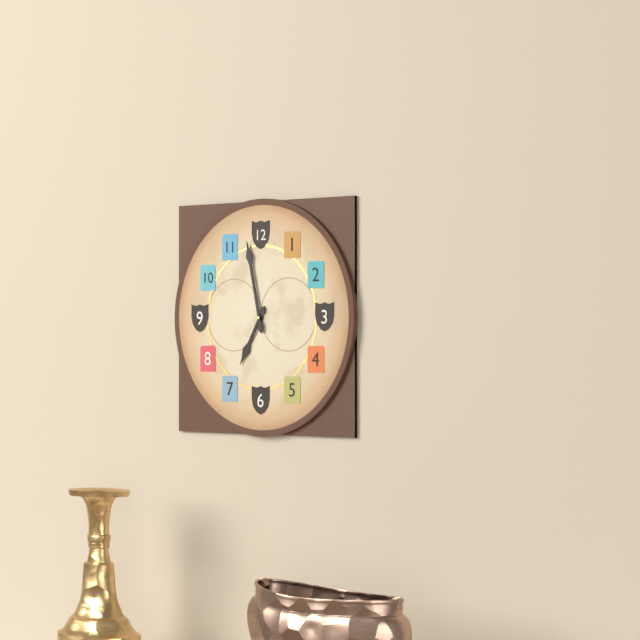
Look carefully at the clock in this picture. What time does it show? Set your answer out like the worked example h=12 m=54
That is h=6 m=58
